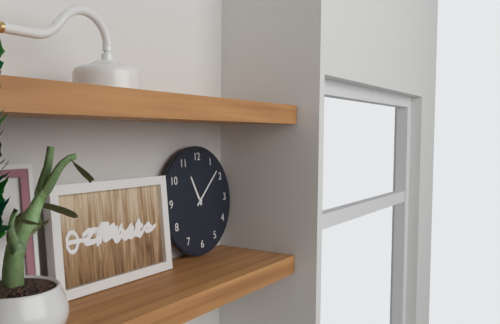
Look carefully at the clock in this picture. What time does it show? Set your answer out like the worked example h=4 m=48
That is h=11 m=8
